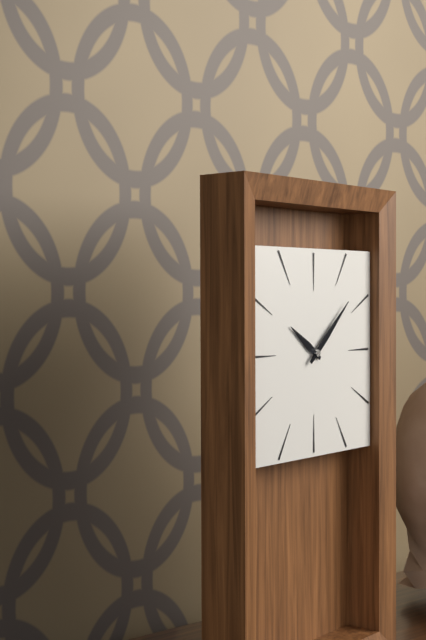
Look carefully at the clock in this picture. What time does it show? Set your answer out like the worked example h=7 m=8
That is h=10 m=8
